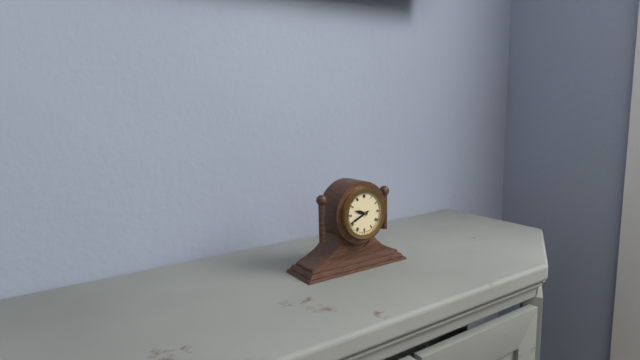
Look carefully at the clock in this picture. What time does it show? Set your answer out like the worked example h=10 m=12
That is h=9 m=41
